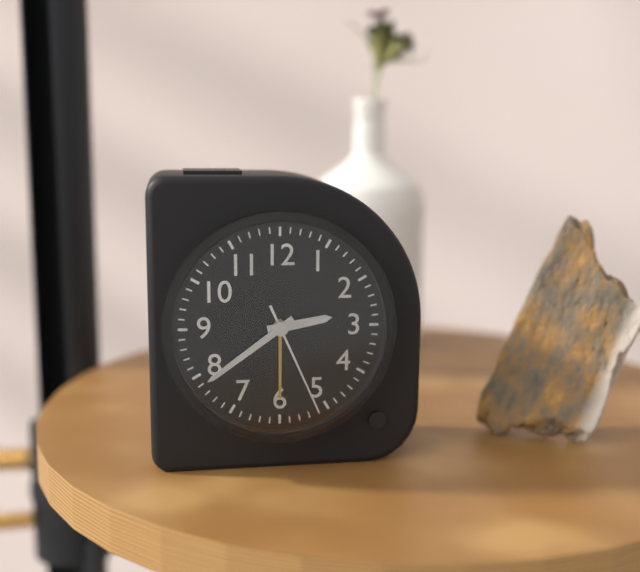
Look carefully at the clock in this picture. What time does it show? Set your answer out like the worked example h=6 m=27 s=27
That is h=2 m=39 s=26
